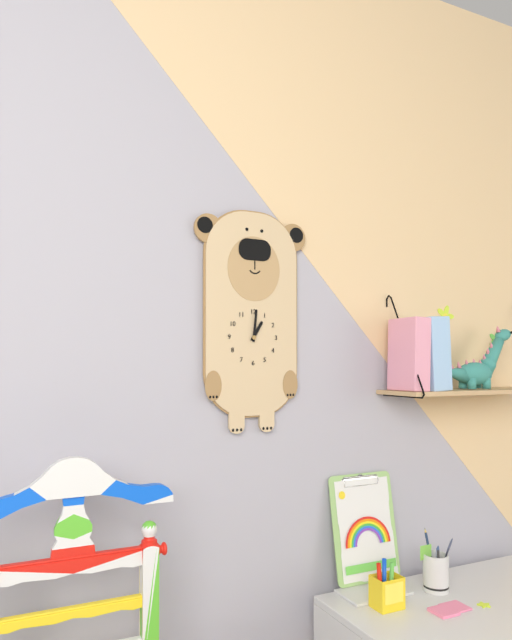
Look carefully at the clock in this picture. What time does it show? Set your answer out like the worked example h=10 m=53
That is h=1 m=1
